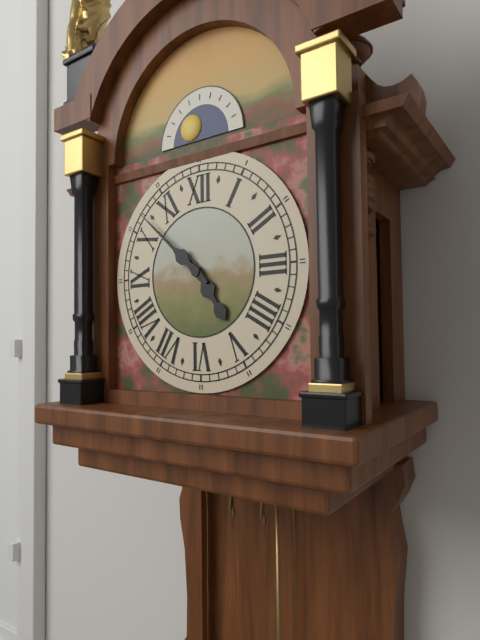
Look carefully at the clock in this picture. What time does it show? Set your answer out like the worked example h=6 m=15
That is h=4 m=52
